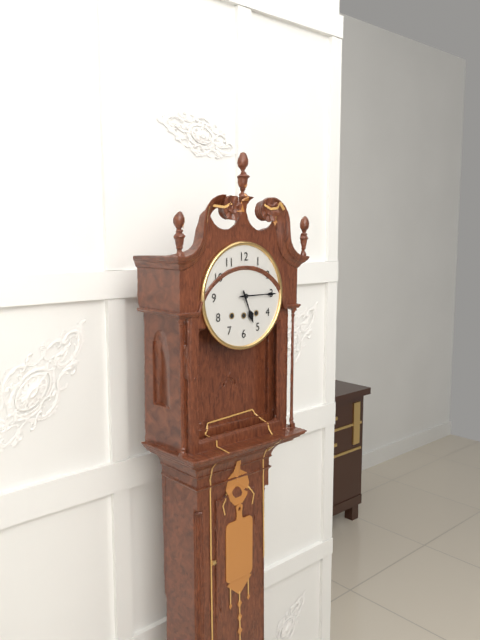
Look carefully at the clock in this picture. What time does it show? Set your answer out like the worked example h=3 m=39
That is h=5 m=15
